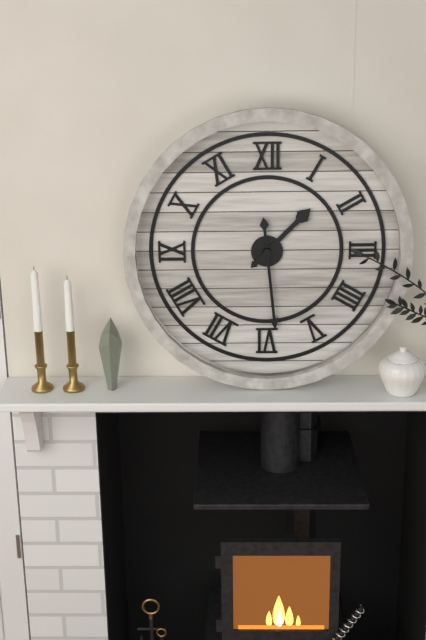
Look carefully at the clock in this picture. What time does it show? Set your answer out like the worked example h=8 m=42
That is h=1 m=29
